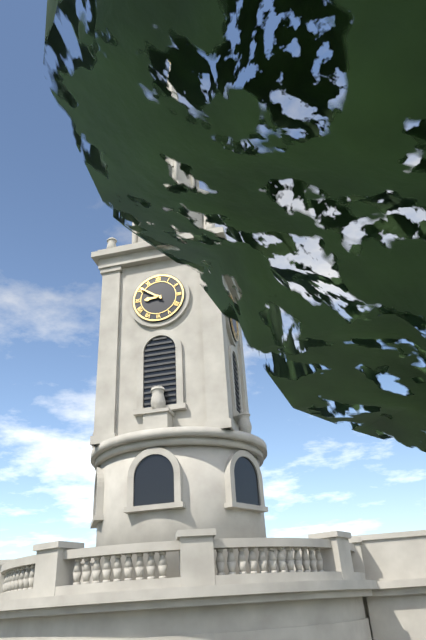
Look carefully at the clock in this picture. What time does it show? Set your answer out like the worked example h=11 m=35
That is h=8 m=51
